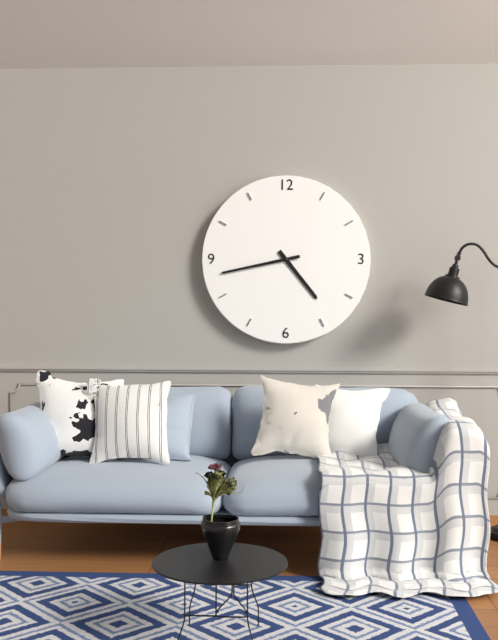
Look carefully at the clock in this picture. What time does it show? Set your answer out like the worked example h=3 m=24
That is h=4 m=43
